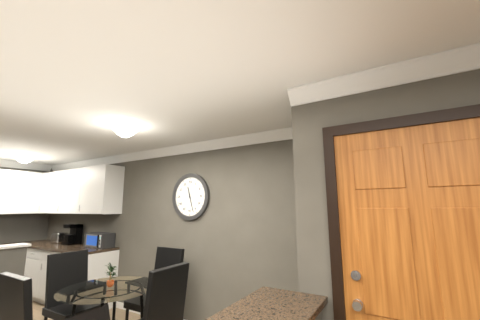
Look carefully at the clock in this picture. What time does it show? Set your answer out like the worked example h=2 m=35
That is h=11 m=27
